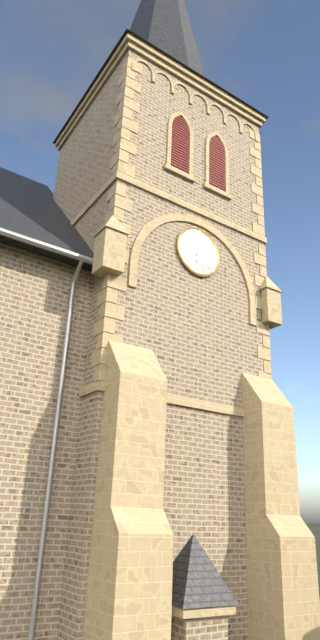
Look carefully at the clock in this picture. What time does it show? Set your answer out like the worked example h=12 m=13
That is h=6 m=5
